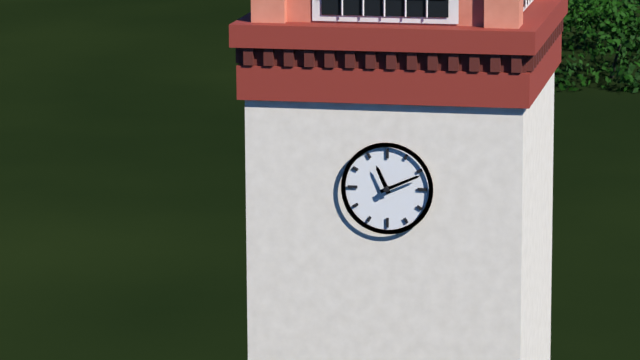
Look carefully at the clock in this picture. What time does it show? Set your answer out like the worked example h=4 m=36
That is h=11 m=11
